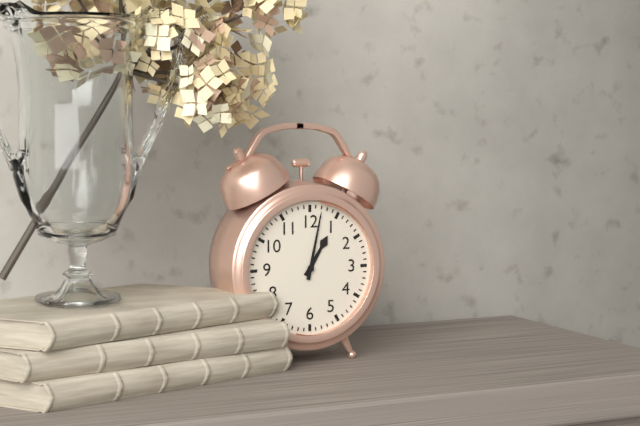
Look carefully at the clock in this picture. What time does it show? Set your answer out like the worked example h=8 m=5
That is h=1 m=2
